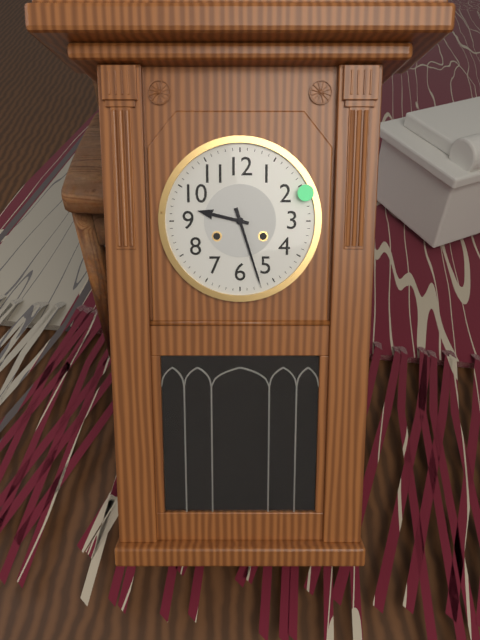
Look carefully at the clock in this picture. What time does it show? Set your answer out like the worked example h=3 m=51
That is h=9 m=27
